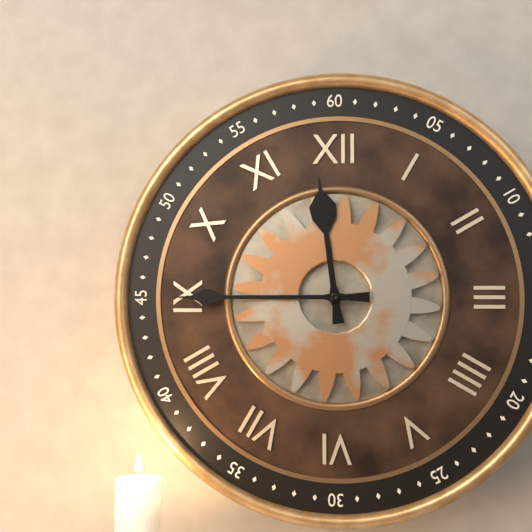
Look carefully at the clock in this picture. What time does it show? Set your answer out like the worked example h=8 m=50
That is h=11 m=45
